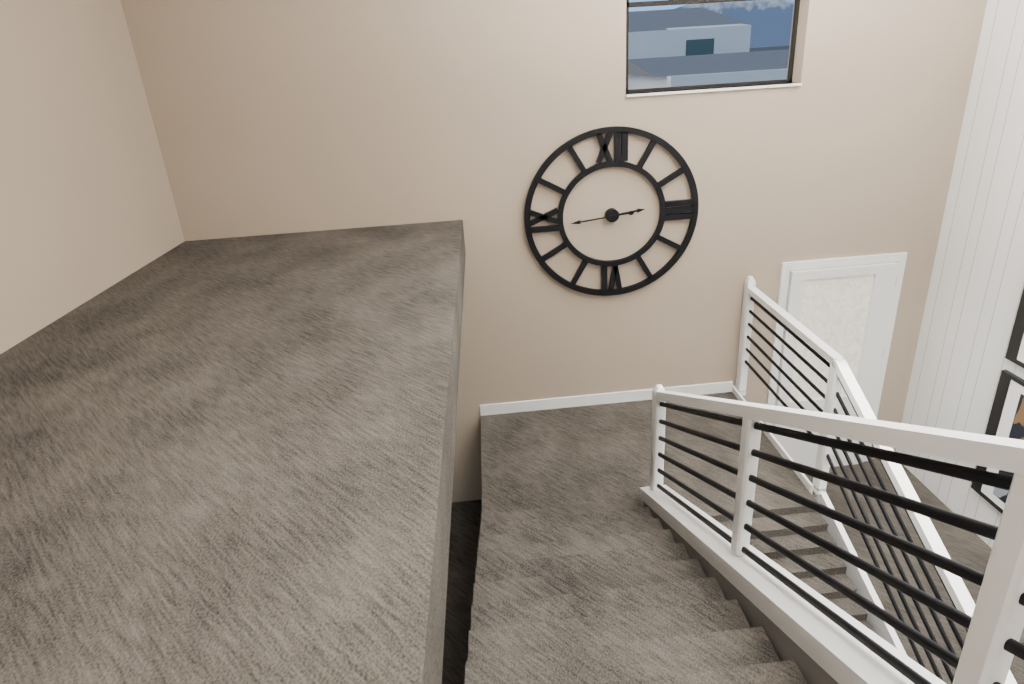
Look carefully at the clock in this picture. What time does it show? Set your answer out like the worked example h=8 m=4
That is h=2 m=44
